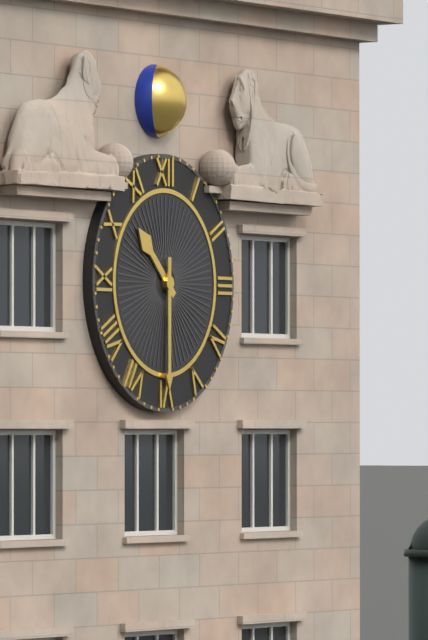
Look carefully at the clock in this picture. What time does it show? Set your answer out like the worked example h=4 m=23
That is h=10 m=30
